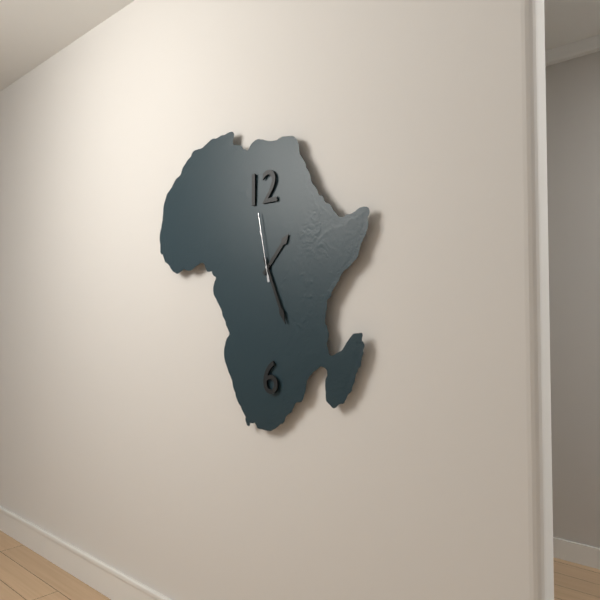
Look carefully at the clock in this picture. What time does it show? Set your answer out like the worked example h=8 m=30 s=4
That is h=1 m=26 s=58
